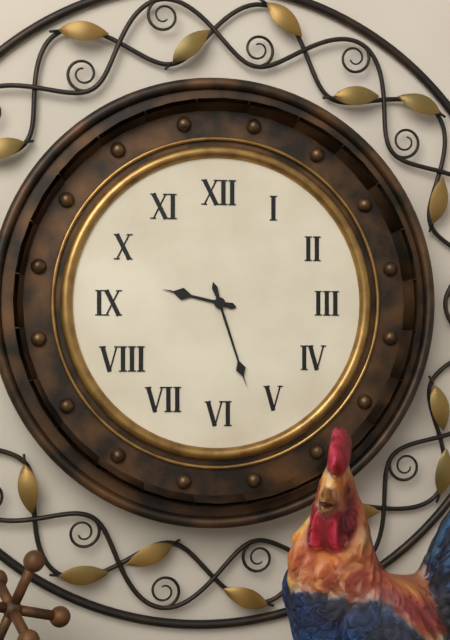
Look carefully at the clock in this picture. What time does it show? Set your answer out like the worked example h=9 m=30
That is h=9 m=27
